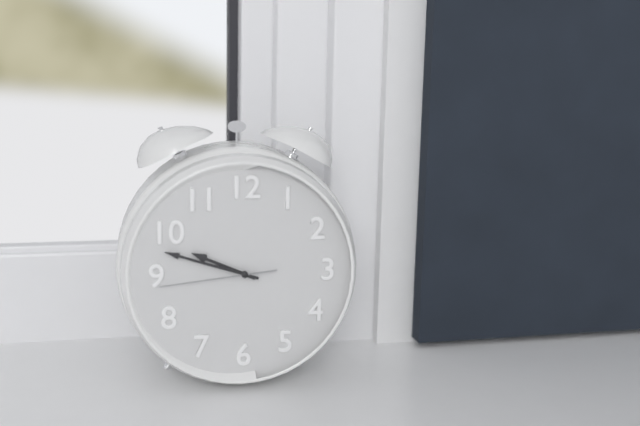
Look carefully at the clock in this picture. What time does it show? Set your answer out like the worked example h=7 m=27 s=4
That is h=9 m=48 s=44
